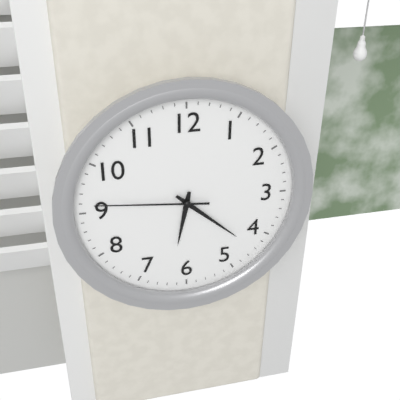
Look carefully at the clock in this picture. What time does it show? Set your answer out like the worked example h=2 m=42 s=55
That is h=6 m=22 s=46
